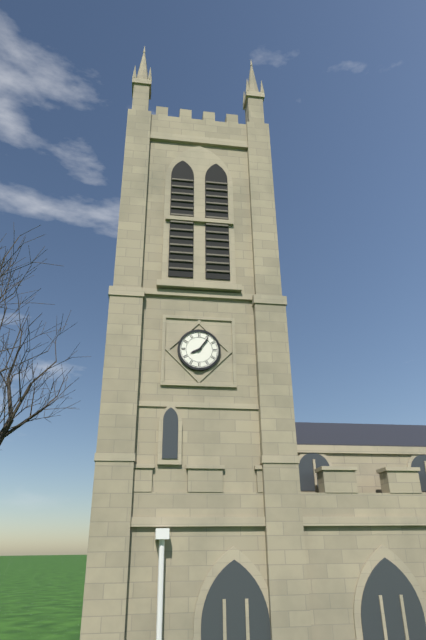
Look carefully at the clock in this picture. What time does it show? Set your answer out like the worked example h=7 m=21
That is h=8 m=6
